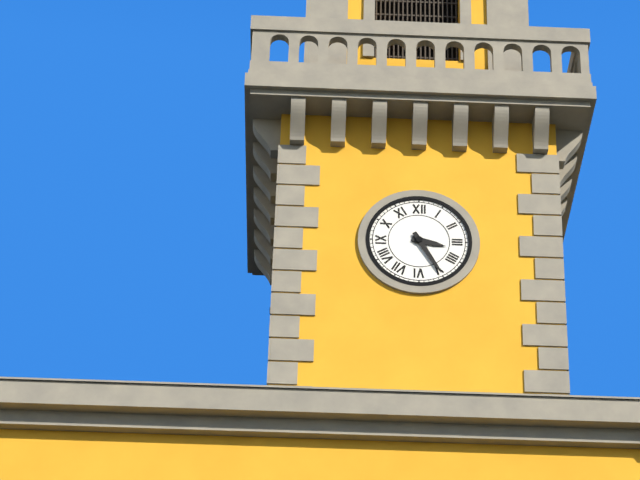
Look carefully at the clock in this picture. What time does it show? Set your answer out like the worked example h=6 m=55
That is h=3 m=25
